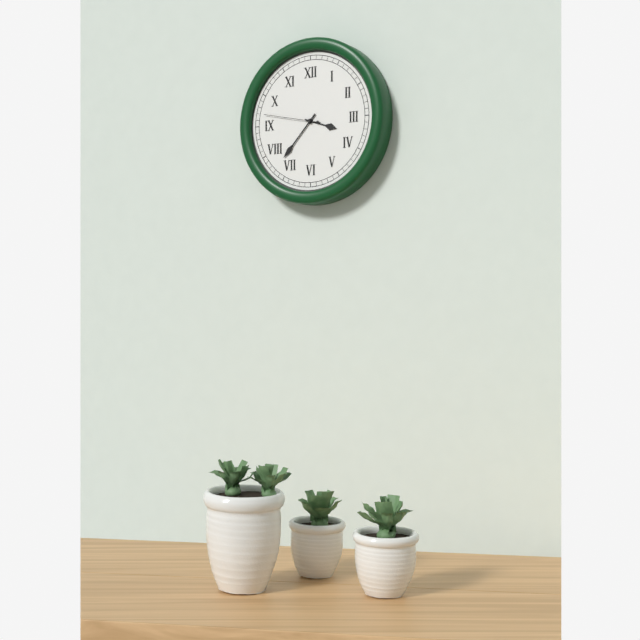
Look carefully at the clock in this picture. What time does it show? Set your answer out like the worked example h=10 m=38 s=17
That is h=3 m=37 s=47
